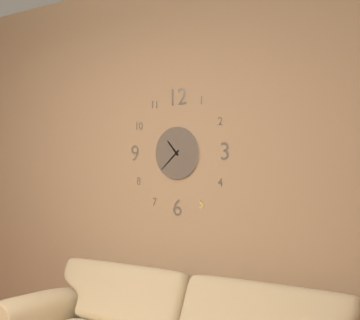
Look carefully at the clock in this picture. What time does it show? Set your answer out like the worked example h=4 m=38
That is h=10 m=38
